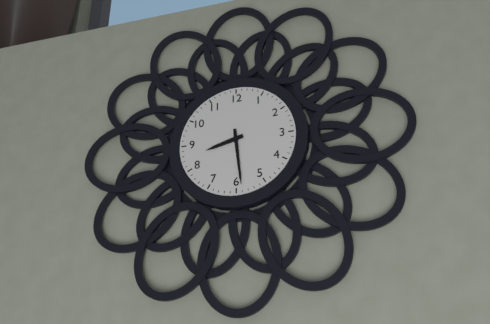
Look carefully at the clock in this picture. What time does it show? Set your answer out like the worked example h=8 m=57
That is h=8 m=29
